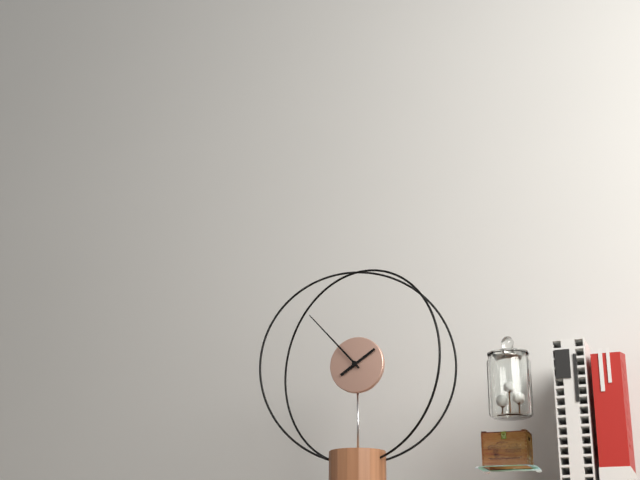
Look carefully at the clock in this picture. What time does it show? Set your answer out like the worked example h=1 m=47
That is h=1 m=53
